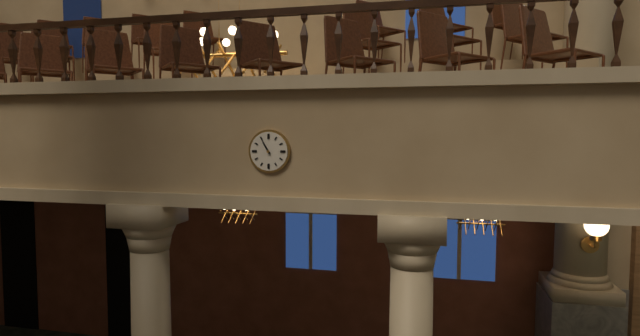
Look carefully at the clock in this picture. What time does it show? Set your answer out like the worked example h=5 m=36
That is h=10 m=55
